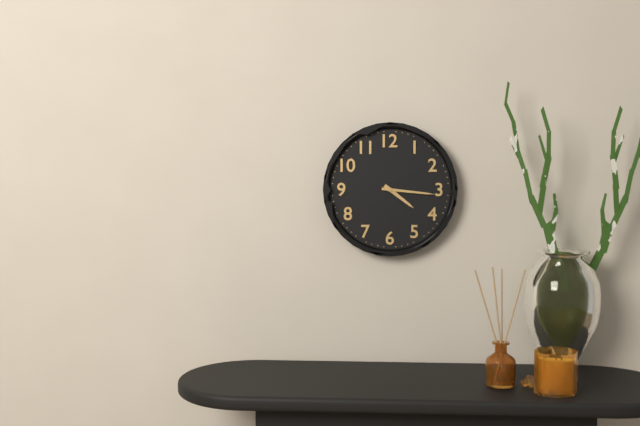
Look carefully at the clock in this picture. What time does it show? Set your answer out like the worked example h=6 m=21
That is h=4 m=16
